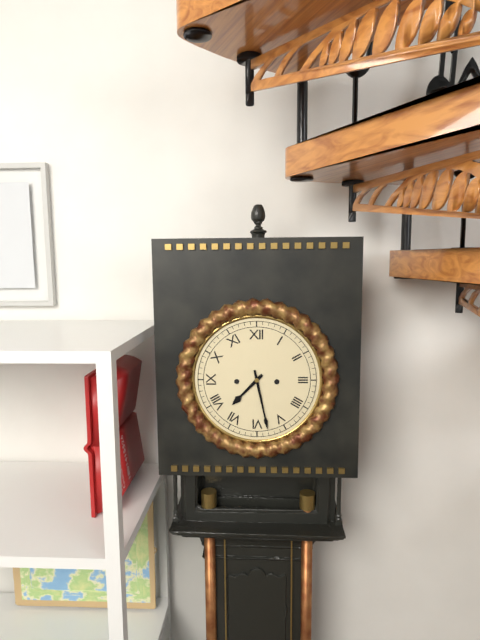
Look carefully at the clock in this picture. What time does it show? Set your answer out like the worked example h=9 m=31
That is h=7 m=28
